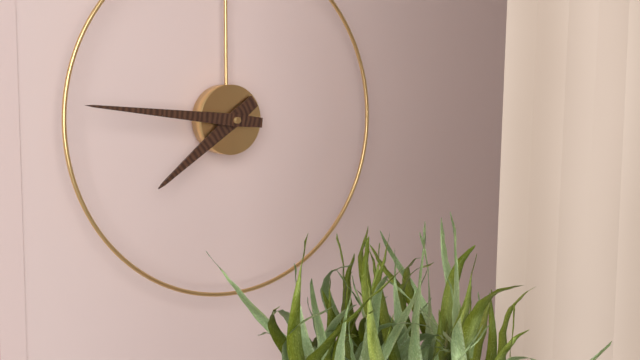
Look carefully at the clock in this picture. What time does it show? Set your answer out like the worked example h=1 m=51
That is h=7 m=46
